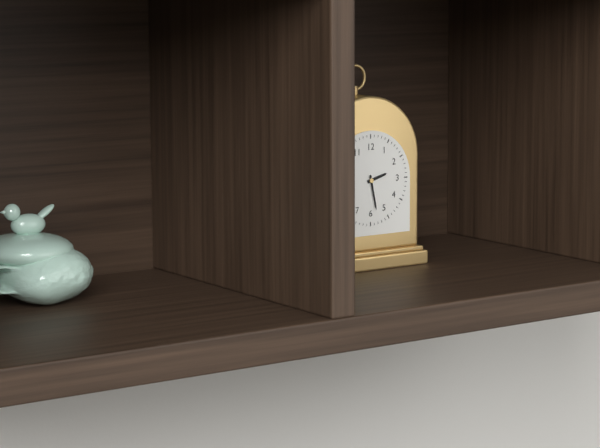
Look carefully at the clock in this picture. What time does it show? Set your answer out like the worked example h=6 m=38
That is h=2 m=28
